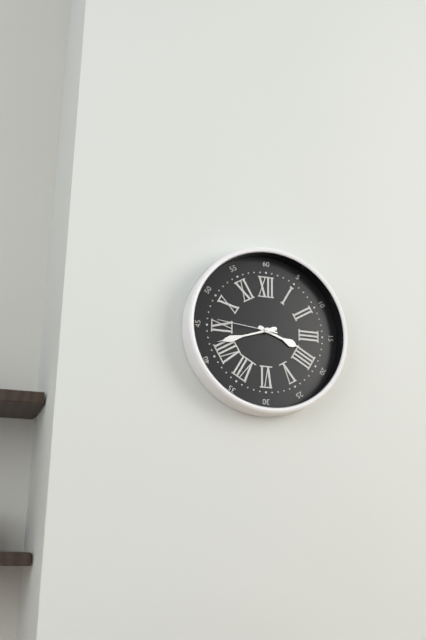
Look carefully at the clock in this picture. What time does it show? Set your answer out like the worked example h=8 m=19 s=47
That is h=3 m=42 s=46
